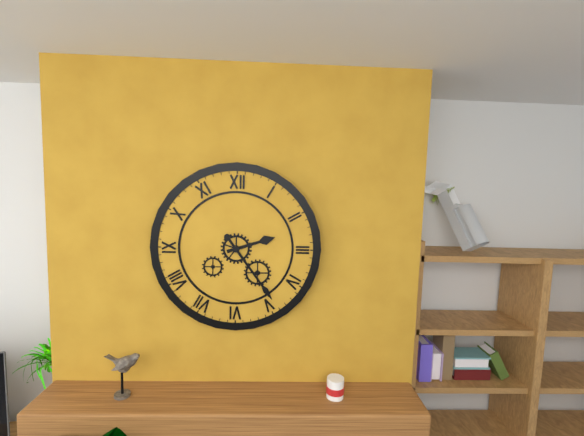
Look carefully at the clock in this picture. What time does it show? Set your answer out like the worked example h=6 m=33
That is h=2 m=24
